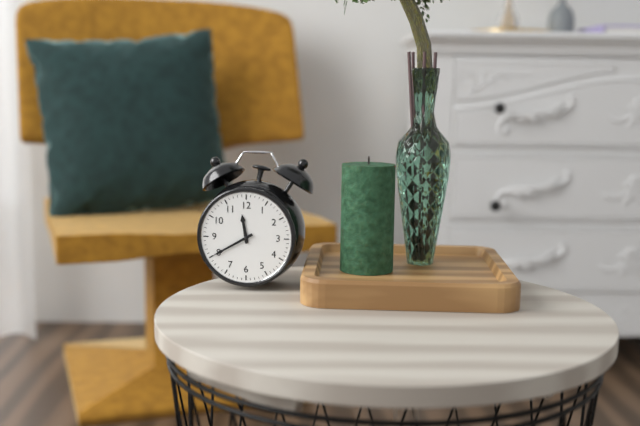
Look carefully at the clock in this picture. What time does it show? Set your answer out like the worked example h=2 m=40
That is h=11 m=40
